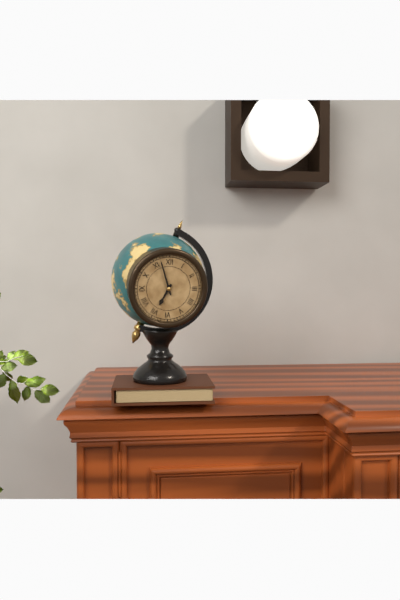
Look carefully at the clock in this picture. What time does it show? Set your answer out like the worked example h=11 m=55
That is h=6 m=57
